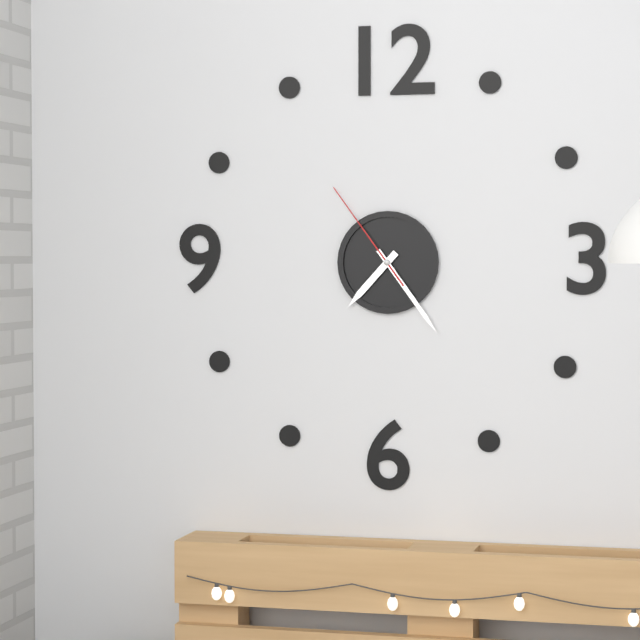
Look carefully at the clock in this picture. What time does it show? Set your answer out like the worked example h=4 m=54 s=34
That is h=7 m=24 s=54
